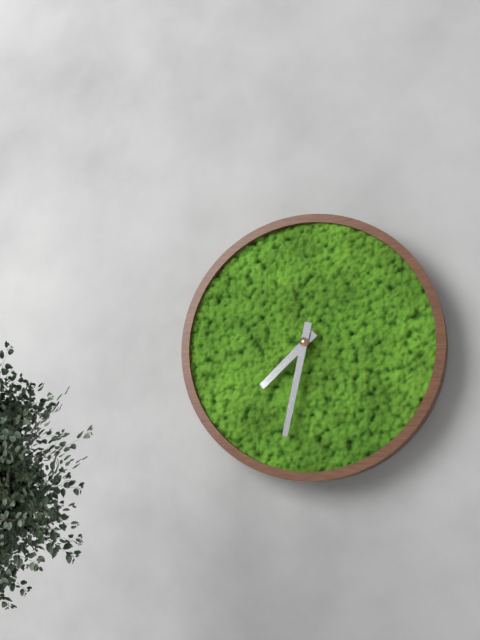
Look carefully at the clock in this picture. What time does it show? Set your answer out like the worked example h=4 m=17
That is h=7 m=32
